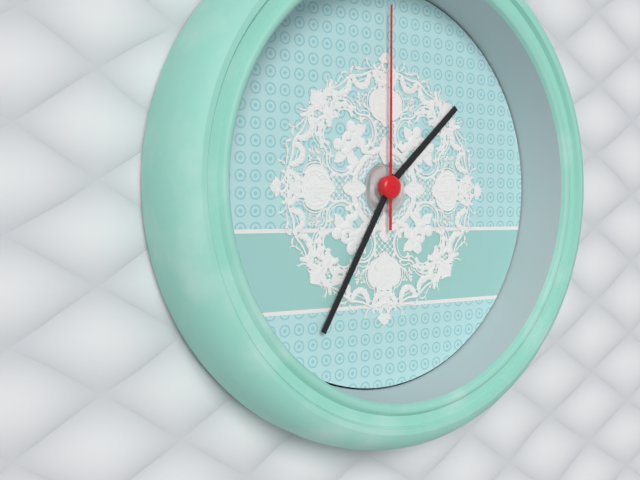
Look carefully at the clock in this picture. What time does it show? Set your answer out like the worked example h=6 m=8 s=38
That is h=1 m=35 s=0
